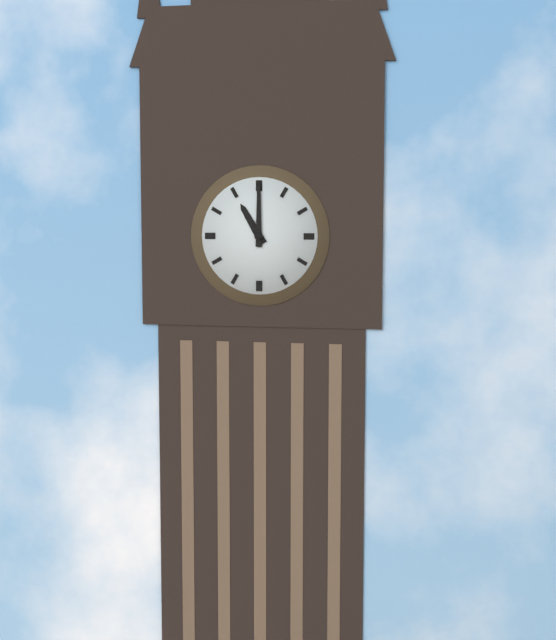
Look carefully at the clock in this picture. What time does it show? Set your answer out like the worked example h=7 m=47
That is h=11 m=0
